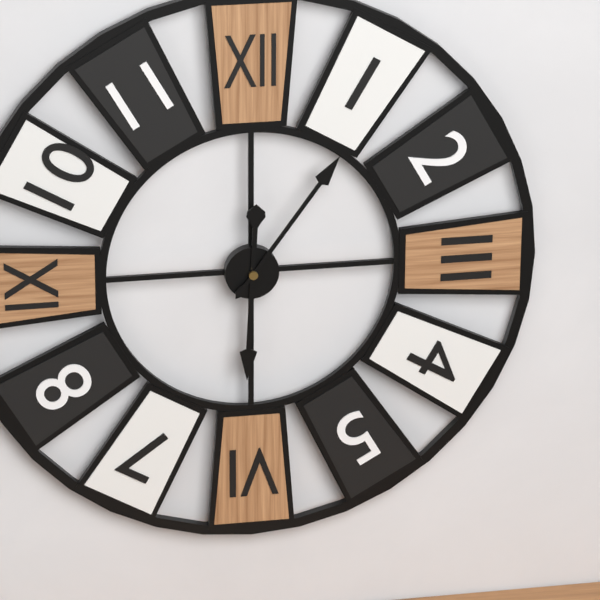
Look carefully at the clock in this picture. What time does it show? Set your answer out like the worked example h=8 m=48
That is h=6 m=6
